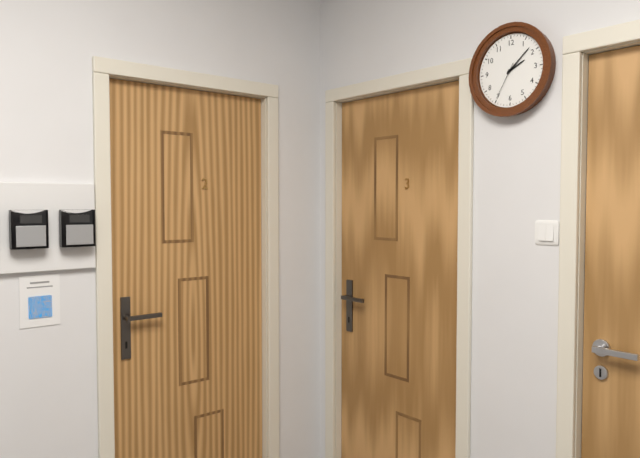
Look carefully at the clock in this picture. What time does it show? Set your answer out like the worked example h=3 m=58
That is h=2 m=8
